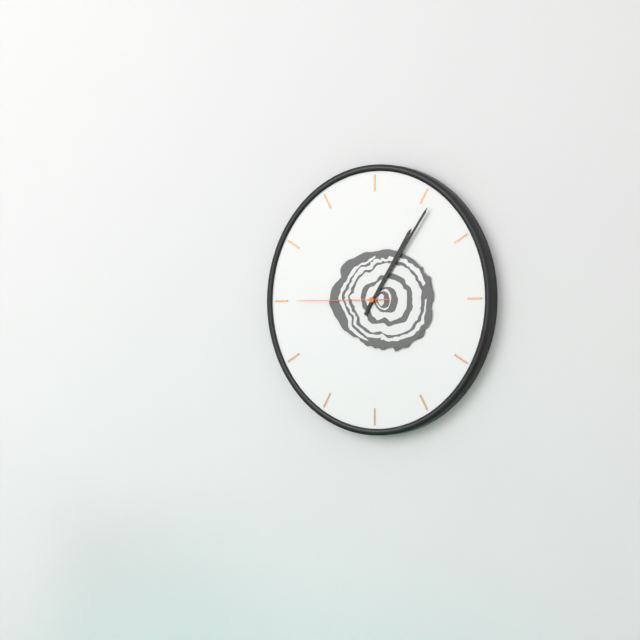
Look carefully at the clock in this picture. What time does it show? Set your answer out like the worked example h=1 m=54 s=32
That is h=1 m=6 s=45
